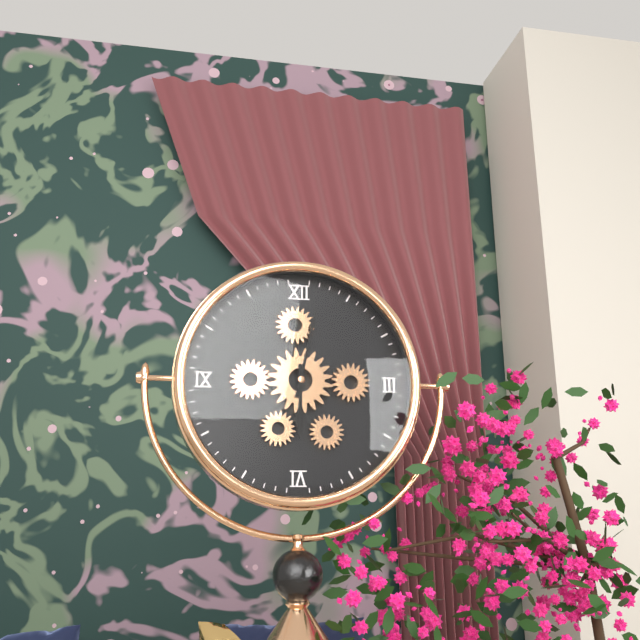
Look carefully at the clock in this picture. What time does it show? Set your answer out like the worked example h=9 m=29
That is h=6 m=2
